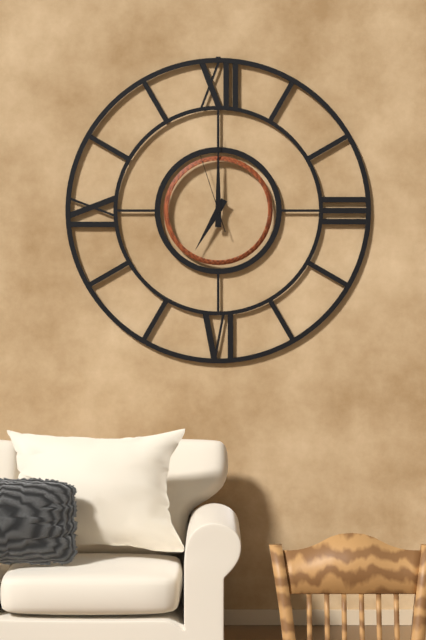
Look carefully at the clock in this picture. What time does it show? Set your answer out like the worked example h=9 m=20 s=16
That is h=7 m=0 s=57
